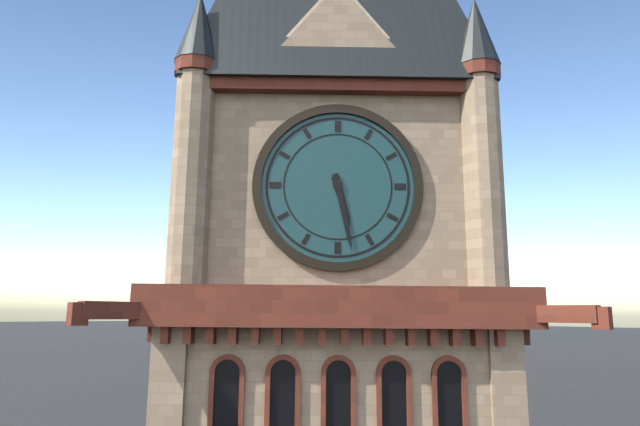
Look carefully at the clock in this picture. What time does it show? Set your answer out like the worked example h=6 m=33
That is h=5 m=28
